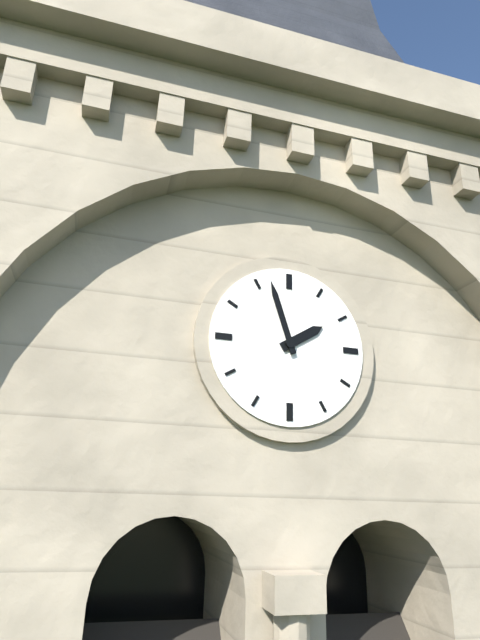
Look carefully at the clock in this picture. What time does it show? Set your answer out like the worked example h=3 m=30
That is h=1 m=57
